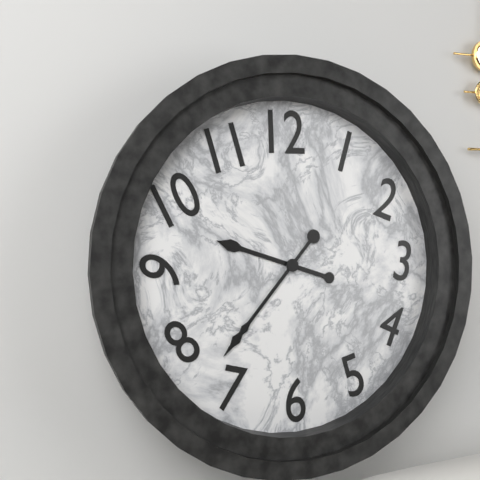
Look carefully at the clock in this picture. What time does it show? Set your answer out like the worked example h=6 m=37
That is h=9 m=37
